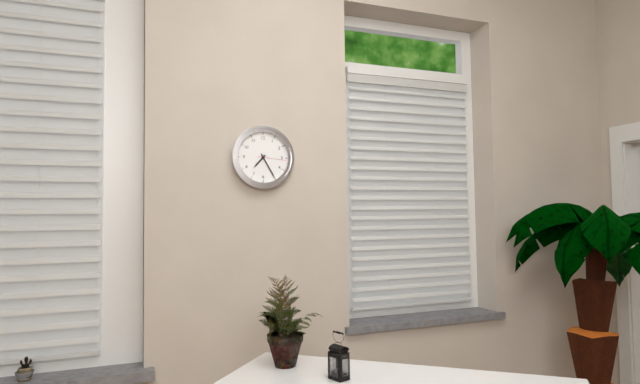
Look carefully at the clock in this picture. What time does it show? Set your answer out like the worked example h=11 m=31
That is h=7 m=25
